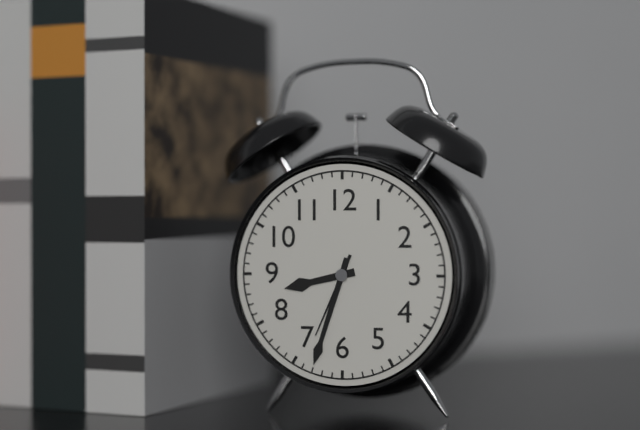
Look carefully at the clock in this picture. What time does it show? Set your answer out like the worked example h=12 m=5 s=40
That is h=8 m=33 s=34
